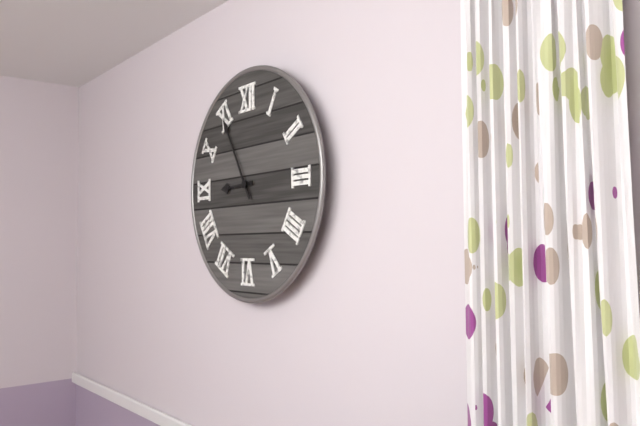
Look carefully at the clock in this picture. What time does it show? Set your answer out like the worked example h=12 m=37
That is h=8 m=55
